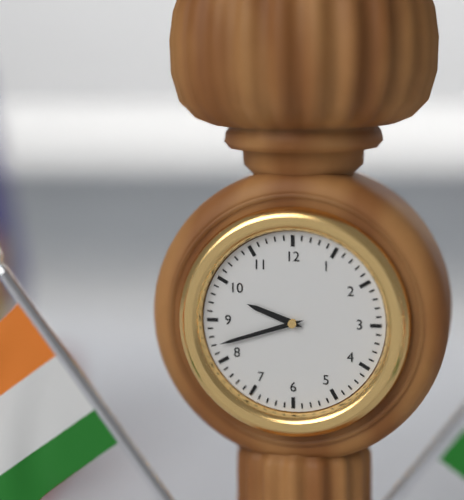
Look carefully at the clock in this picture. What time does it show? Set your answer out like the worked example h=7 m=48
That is h=9 m=42
